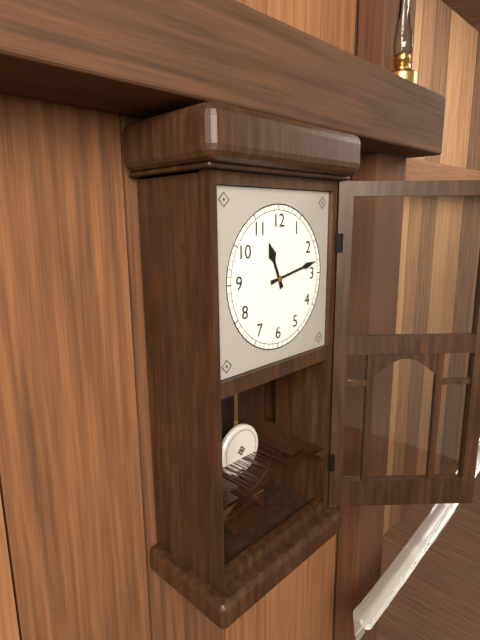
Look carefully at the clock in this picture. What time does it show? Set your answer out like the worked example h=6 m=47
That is h=11 m=13
